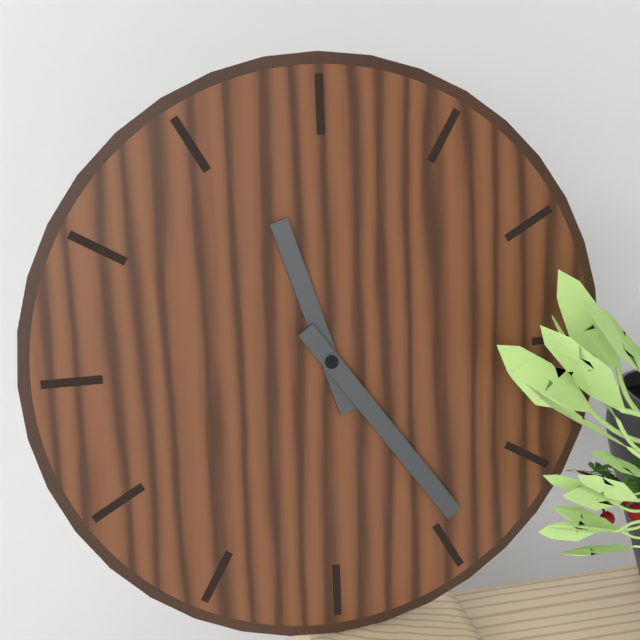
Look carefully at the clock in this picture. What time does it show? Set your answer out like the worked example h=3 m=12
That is h=11 m=24
